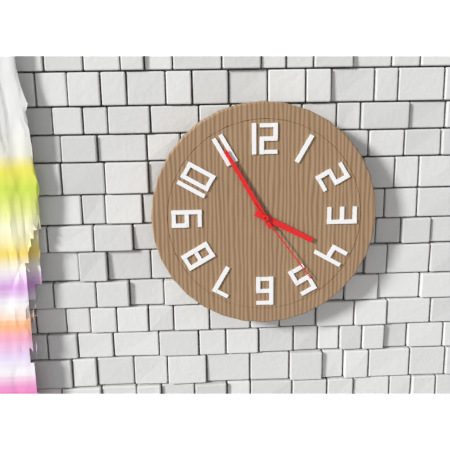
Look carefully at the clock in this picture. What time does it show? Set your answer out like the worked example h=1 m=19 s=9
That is h=3 m=55 s=24
